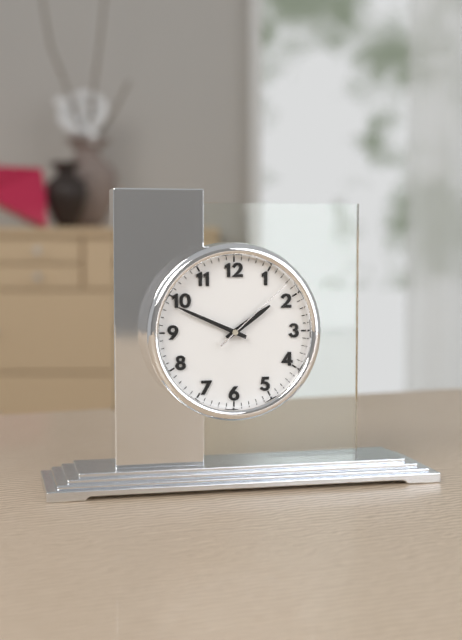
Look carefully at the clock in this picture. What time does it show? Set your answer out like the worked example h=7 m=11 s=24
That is h=1 m=49 s=8
